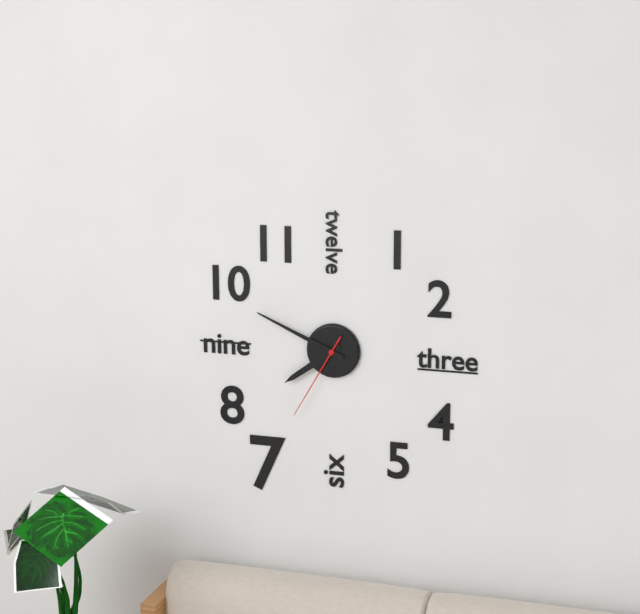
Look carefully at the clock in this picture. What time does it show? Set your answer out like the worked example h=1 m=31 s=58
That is h=7 m=49 s=35
